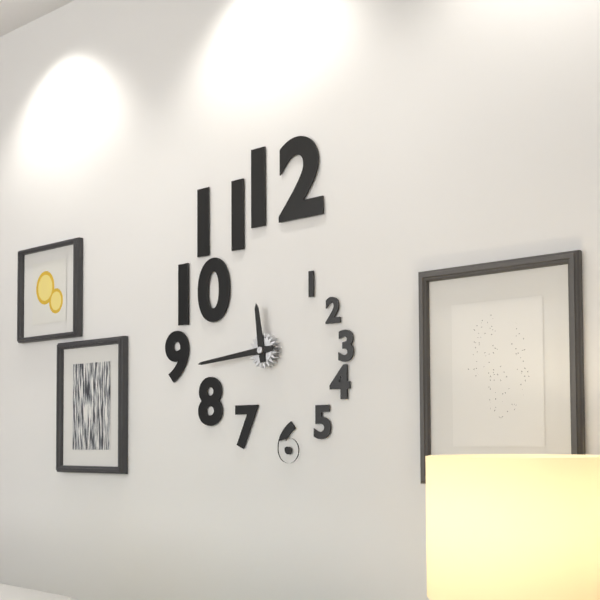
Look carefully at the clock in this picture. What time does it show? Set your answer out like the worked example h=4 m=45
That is h=11 m=44
